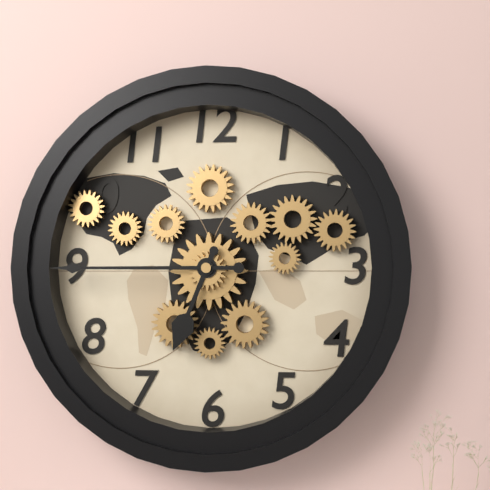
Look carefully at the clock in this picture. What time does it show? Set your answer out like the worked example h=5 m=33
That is h=6 m=45
